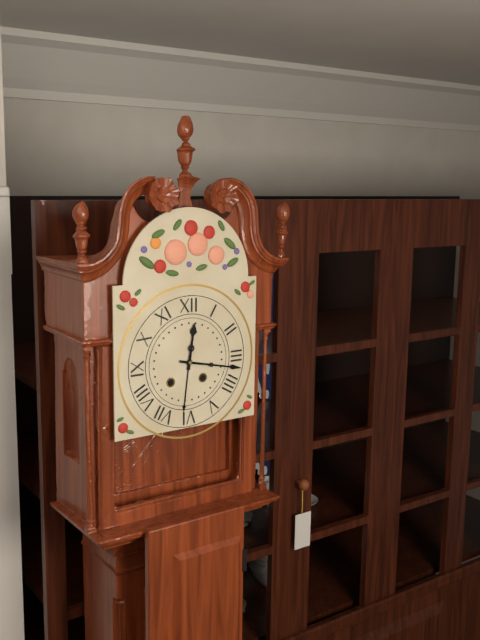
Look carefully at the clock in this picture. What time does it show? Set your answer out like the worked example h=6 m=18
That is h=12 m=17
